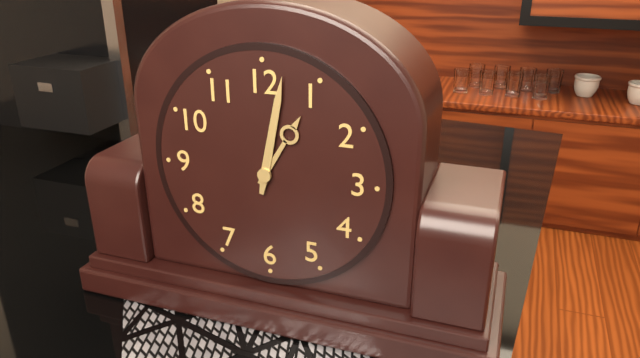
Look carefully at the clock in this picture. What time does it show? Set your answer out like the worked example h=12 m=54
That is h=1 m=2
